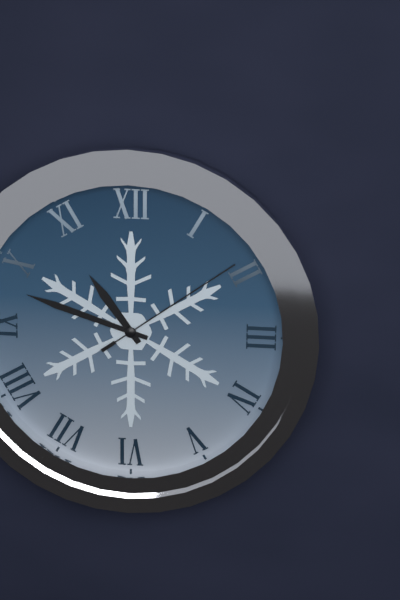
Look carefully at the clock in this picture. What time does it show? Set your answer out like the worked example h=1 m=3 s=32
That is h=10 m=48 s=9
